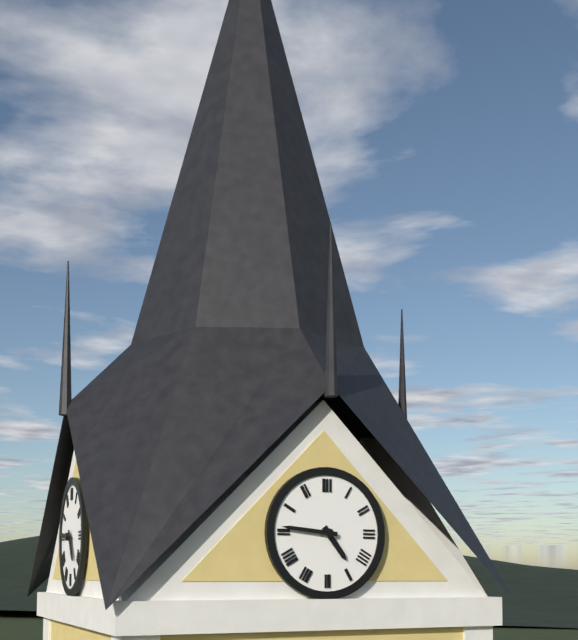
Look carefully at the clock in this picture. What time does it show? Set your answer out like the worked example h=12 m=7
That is h=4 m=46
